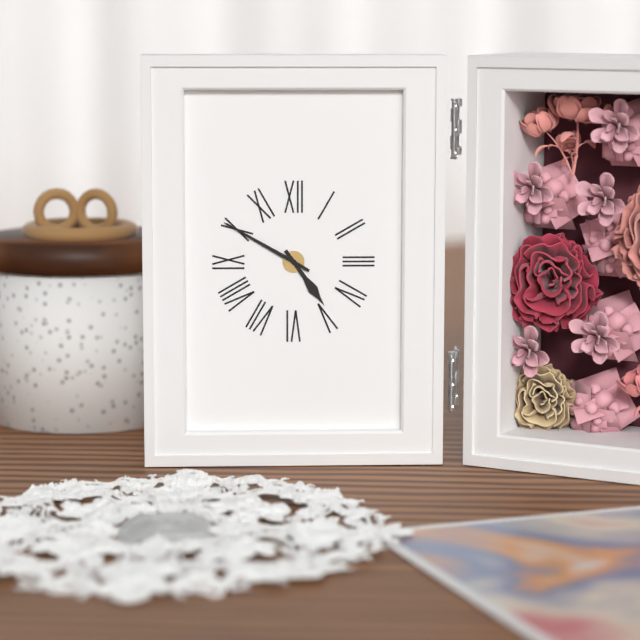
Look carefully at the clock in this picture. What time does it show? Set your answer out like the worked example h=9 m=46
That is h=4 m=50
